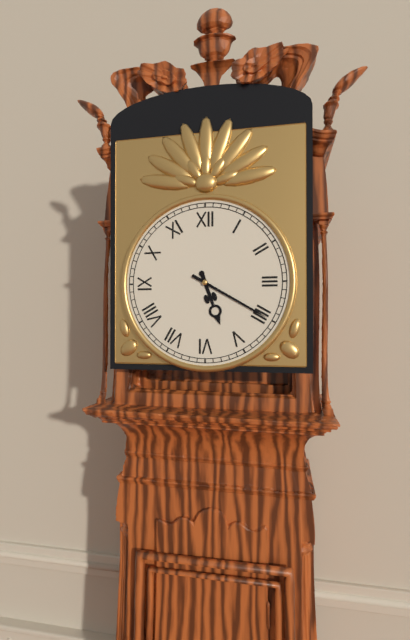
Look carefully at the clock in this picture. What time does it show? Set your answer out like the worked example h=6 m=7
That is h=5 m=20
